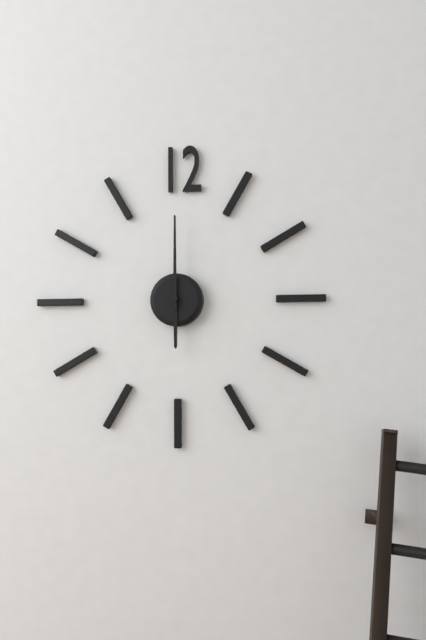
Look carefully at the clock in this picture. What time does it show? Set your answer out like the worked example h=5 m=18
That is h=6 m=0
